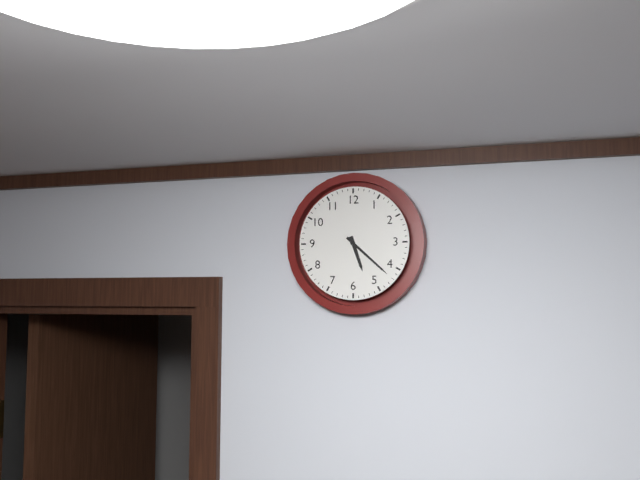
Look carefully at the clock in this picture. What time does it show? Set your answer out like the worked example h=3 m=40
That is h=5 m=22
